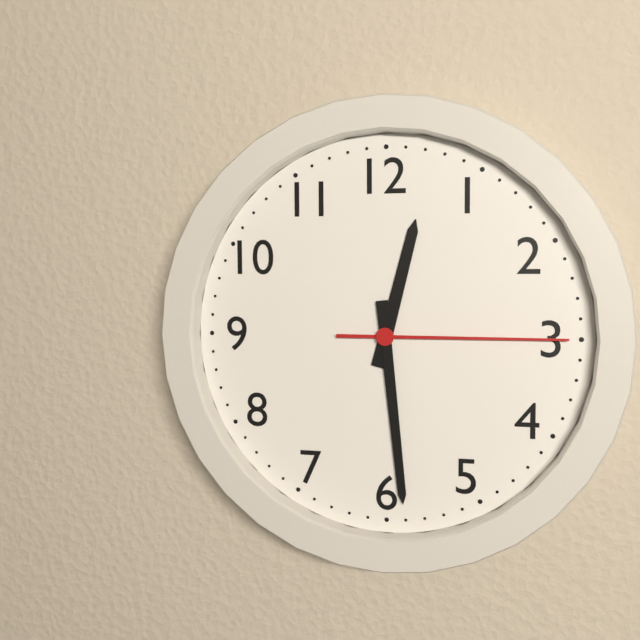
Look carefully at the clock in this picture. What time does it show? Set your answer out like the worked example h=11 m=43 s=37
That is h=12 m=29 s=15
